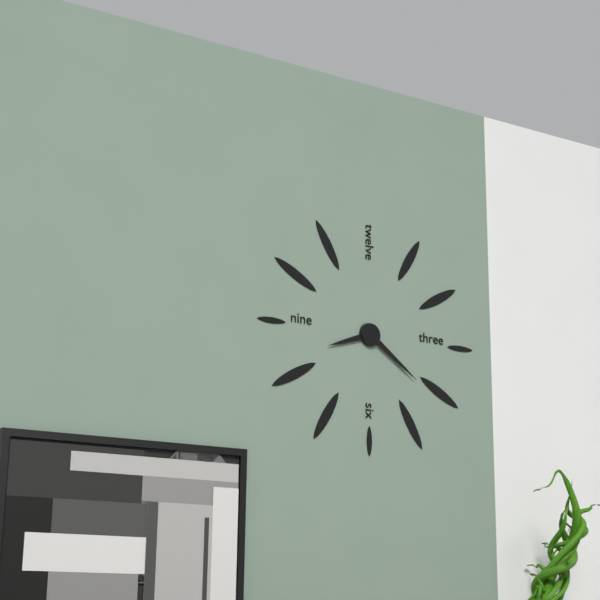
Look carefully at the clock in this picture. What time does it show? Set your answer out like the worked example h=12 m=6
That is h=8 m=21
